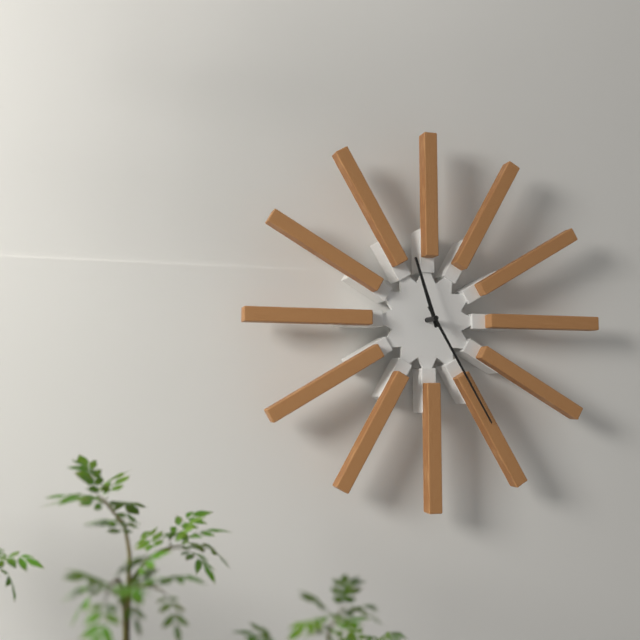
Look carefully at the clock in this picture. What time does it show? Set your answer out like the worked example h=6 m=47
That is h=11 m=25
